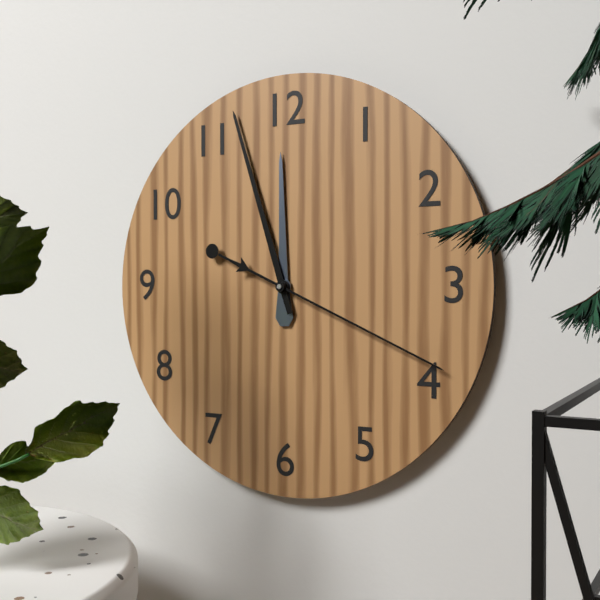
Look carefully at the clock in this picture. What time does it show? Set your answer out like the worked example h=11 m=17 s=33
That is h=11 m=57 s=19
